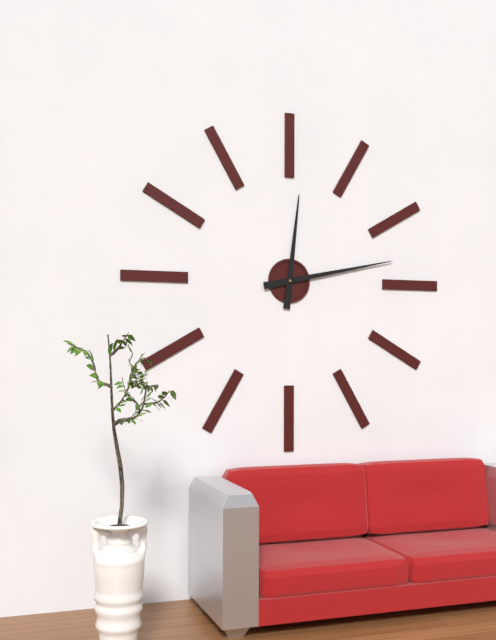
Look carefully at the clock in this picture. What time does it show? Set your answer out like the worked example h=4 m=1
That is h=12 m=13
